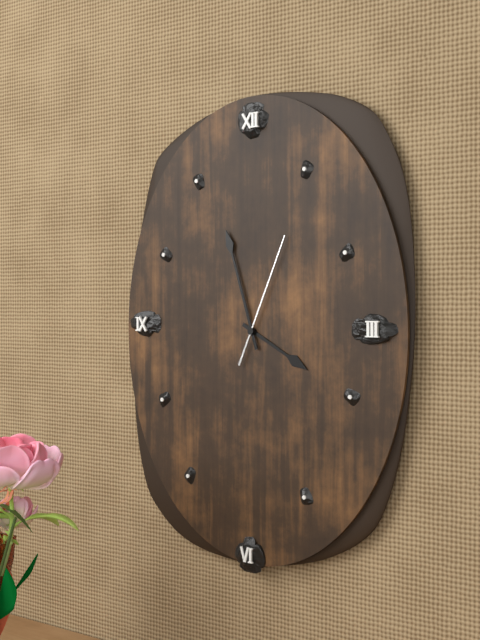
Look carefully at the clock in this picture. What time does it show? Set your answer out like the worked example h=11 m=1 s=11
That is h=3 m=57 s=4
